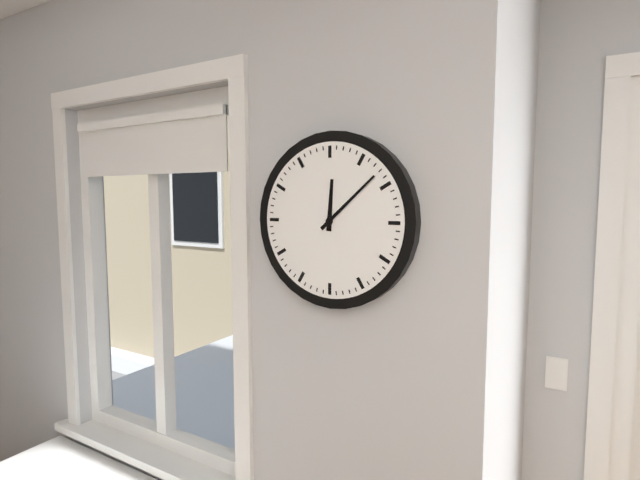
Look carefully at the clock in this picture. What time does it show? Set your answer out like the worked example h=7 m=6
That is h=12 m=8
